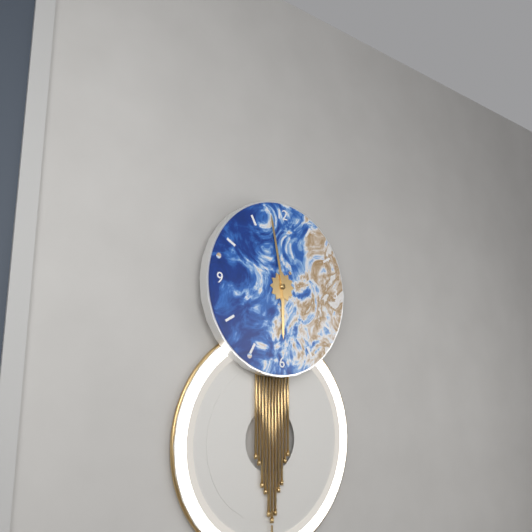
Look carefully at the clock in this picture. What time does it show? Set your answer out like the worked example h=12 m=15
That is h=5 m=58
